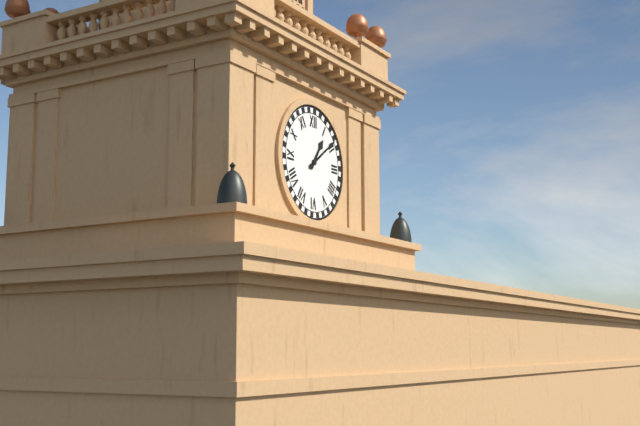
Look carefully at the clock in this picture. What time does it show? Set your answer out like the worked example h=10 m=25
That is h=1 m=9
